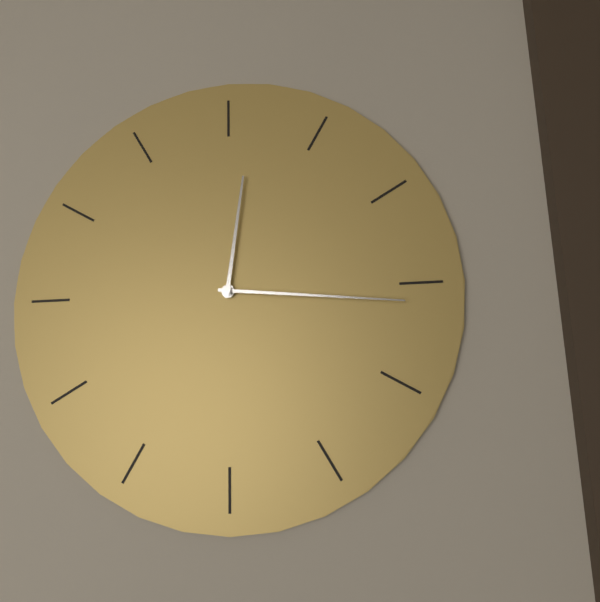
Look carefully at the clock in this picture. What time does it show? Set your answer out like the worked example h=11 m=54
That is h=12 m=16
